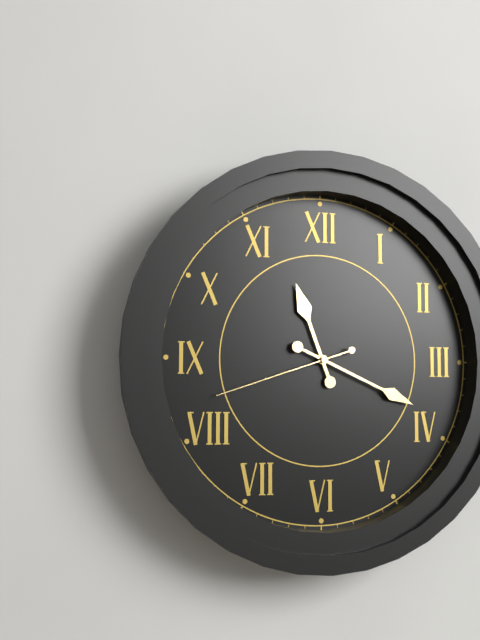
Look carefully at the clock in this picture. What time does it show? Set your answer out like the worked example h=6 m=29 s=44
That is h=11 m=19 s=42
